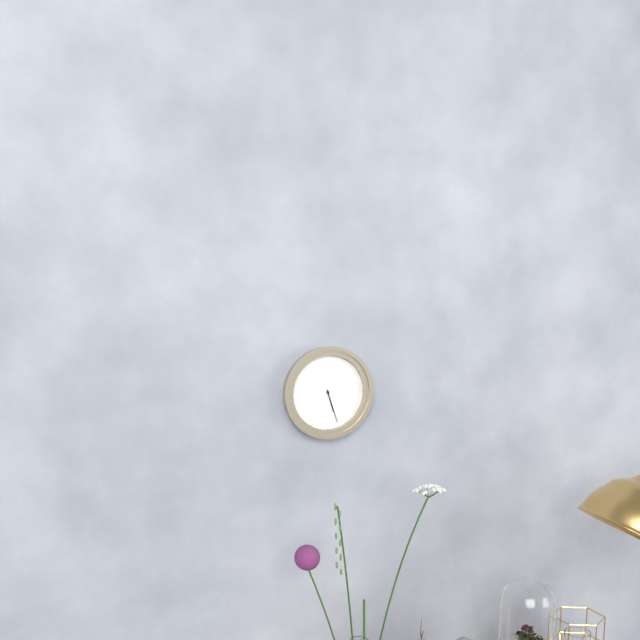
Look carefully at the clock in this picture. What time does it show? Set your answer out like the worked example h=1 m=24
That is h=5 m=27
